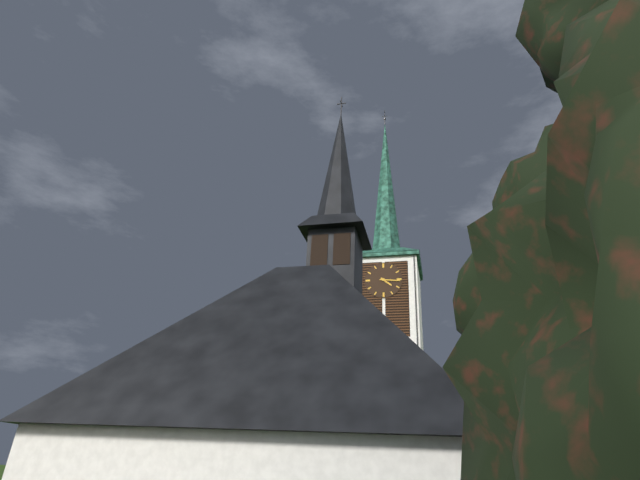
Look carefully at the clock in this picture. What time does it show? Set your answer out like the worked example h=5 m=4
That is h=4 m=16
